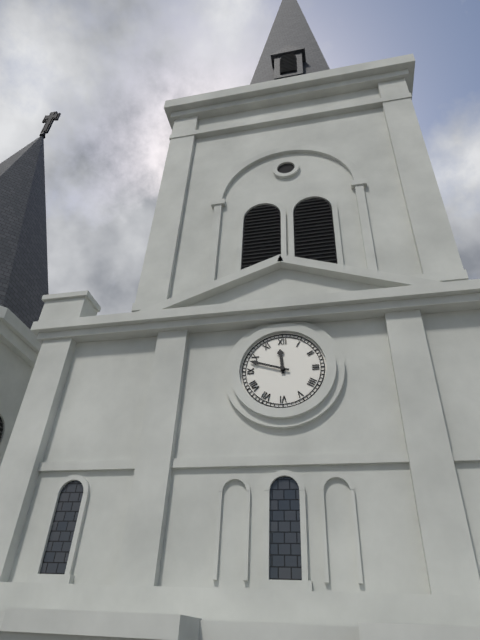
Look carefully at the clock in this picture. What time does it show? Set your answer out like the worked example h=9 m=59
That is h=11 m=48
